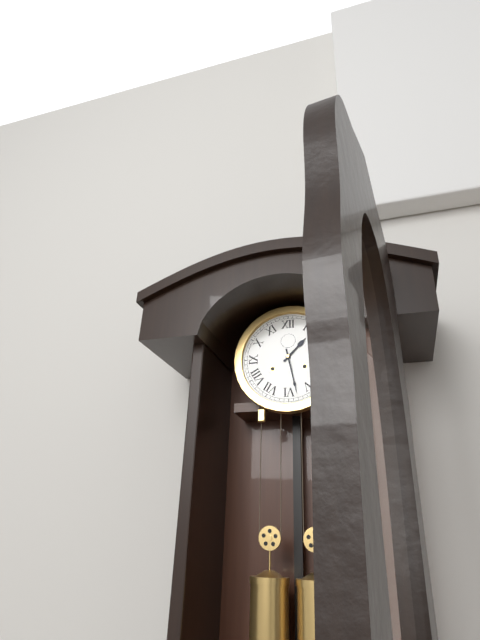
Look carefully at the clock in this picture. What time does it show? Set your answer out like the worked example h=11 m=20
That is h=1 m=28
